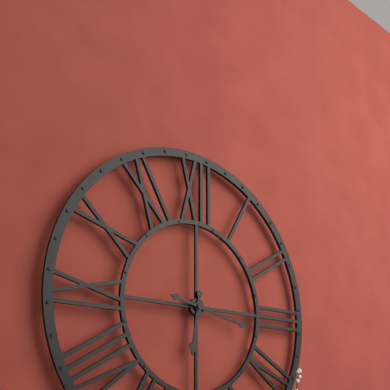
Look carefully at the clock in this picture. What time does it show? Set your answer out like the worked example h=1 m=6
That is h=6 m=17
